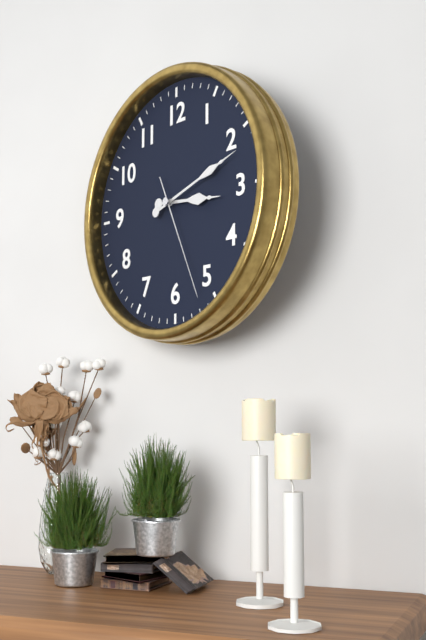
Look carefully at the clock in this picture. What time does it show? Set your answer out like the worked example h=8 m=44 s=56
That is h=3 m=12 s=26
